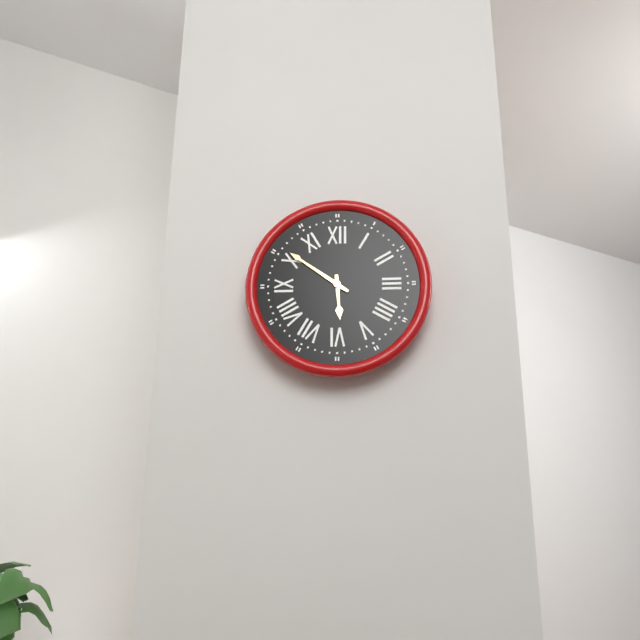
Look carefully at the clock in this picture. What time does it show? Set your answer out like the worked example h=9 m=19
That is h=5 m=51
